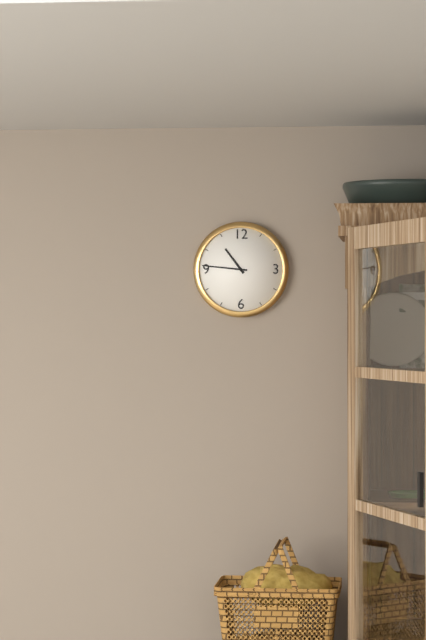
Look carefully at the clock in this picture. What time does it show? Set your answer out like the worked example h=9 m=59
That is h=10 m=46
